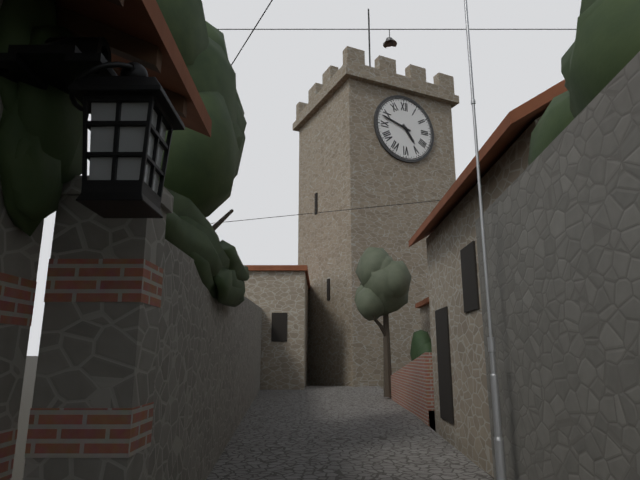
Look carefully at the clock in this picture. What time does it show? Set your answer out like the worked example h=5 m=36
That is h=4 m=48
